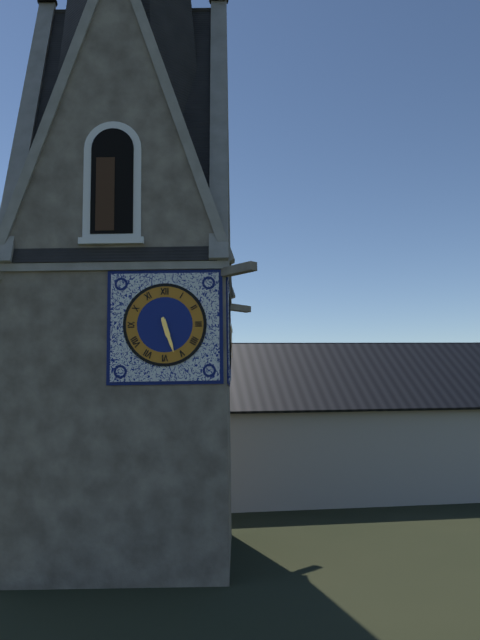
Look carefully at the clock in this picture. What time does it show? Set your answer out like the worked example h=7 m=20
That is h=5 m=27
